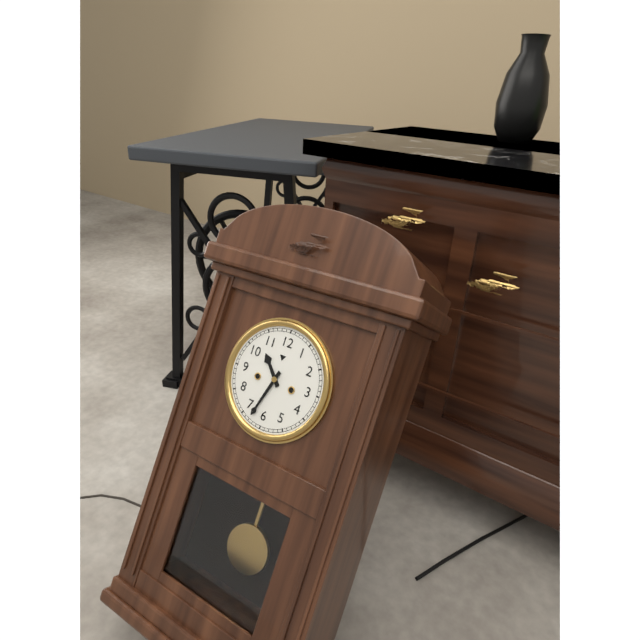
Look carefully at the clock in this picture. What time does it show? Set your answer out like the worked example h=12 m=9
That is h=10 m=33
